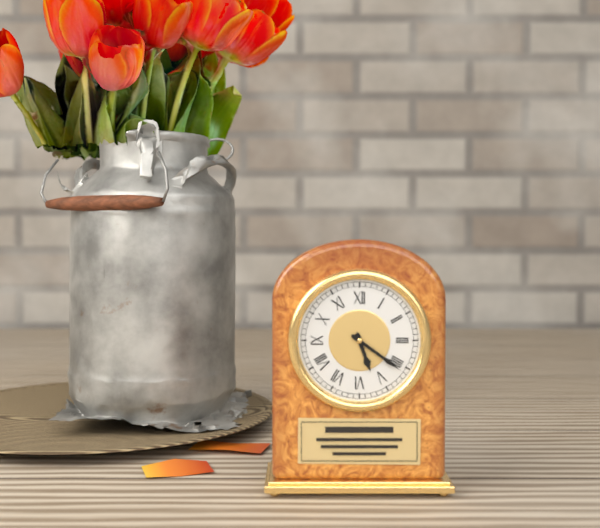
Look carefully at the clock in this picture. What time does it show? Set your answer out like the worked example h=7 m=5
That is h=5 m=21
